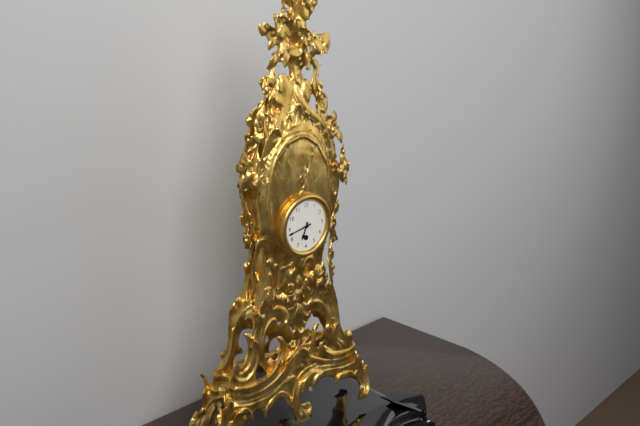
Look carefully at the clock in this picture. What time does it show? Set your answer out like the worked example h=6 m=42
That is h=6 m=43
